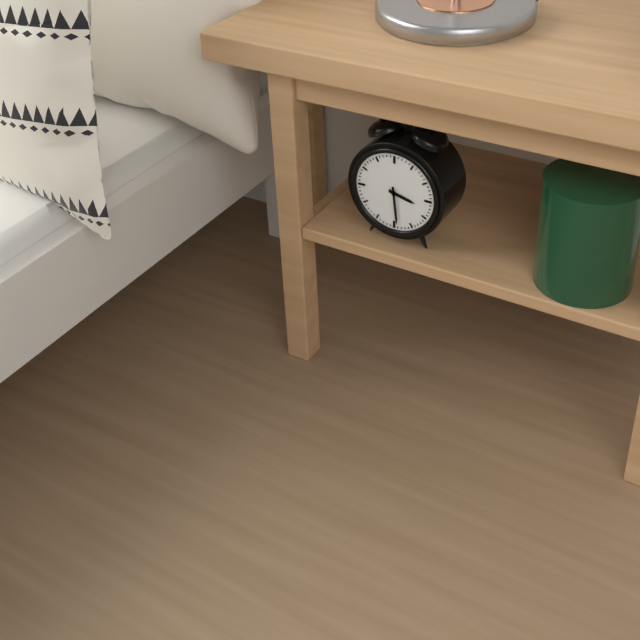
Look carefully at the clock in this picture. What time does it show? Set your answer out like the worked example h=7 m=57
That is h=3 m=29
